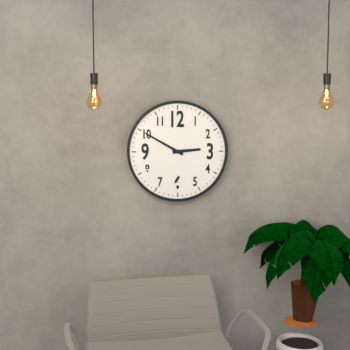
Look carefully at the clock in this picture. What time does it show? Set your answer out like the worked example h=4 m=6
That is h=2 m=50
